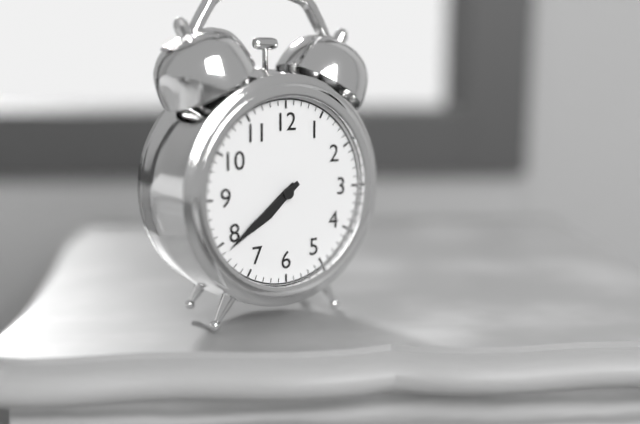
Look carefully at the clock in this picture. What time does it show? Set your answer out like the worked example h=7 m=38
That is h=7 m=39
